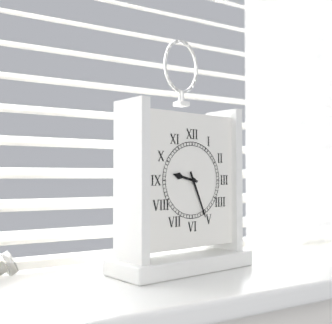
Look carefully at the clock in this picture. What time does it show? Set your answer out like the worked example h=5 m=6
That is h=9 m=26
